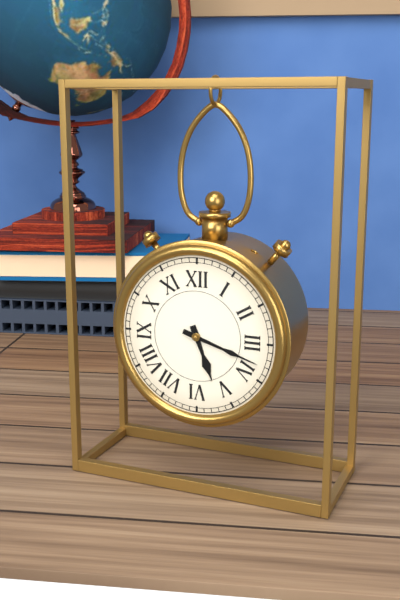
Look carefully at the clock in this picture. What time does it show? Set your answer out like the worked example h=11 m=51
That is h=5 m=18
